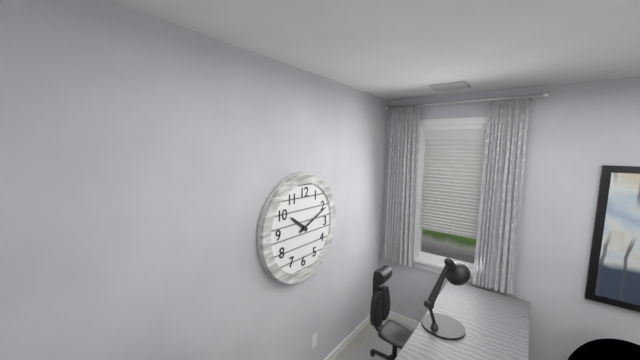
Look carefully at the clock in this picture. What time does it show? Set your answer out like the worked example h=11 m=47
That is h=10 m=11
